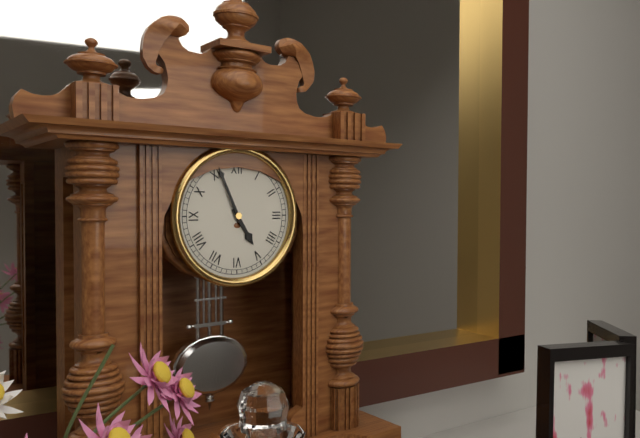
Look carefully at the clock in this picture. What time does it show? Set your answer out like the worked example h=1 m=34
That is h=4 m=56
